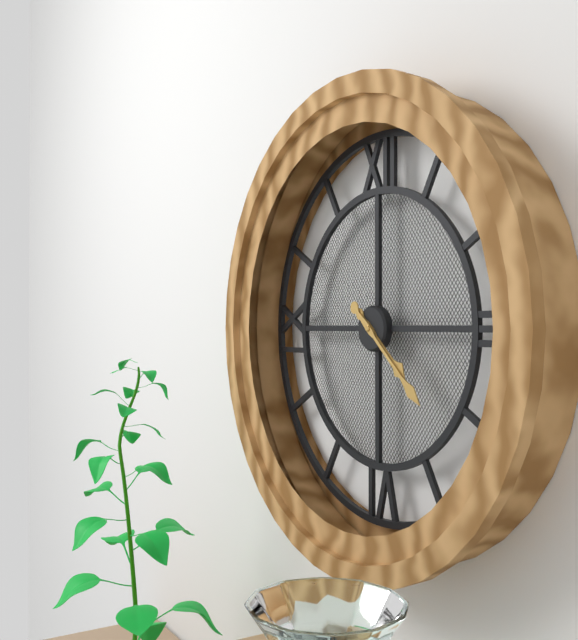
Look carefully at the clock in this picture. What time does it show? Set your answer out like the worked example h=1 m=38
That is h=4 m=22
